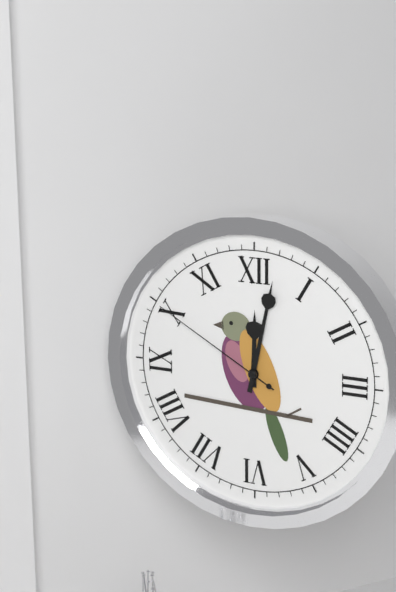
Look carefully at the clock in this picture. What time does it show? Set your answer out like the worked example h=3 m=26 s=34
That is h=12 m=2 s=50
